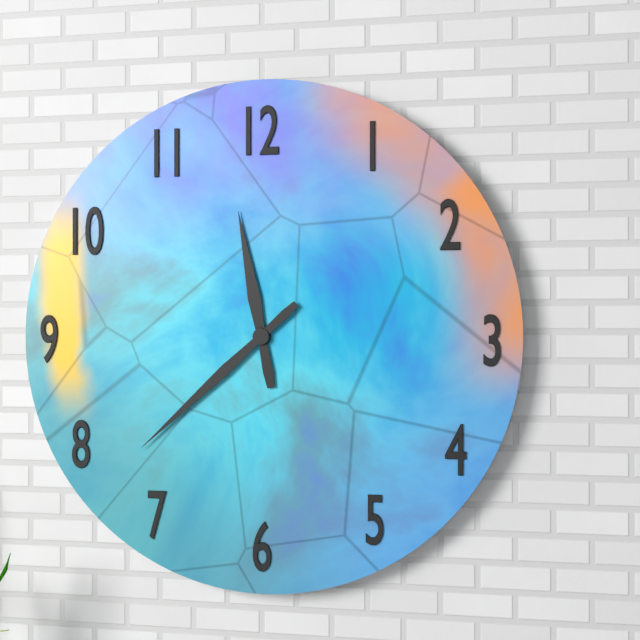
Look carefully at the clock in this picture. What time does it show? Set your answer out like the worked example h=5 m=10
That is h=11 m=38
